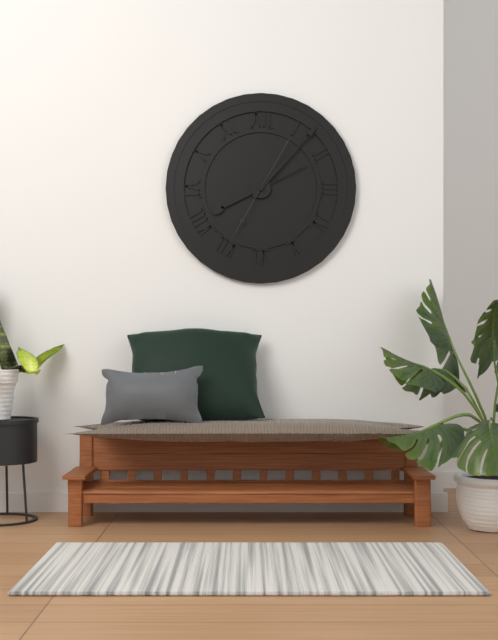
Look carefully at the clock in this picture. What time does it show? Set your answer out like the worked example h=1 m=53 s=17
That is h=8 m=7 s=5
